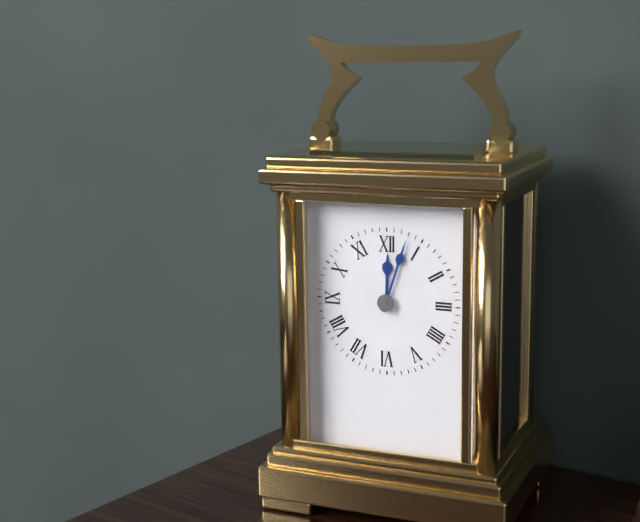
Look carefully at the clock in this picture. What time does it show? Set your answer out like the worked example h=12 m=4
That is h=12 m=3
